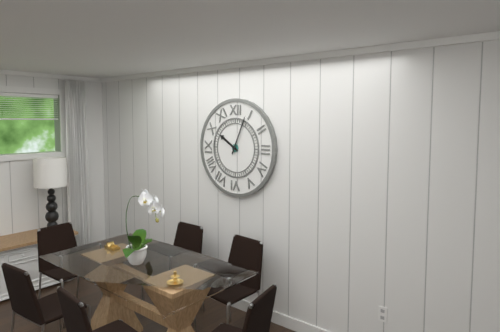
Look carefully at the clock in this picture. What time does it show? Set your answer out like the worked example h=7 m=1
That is h=10 m=4
